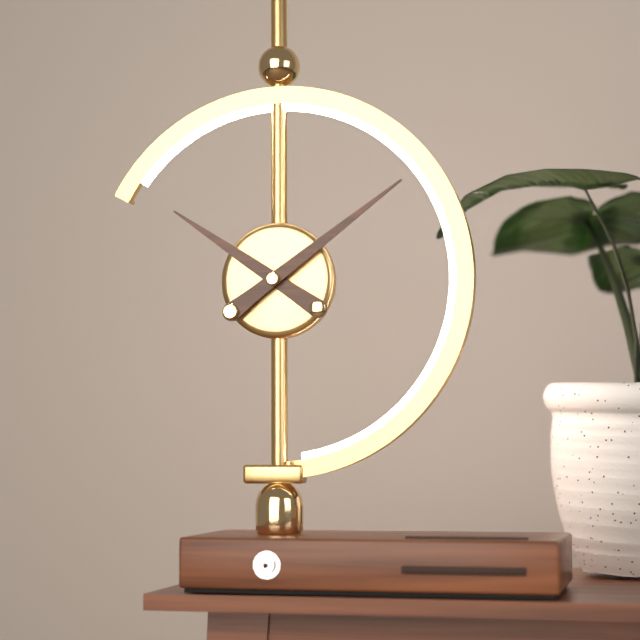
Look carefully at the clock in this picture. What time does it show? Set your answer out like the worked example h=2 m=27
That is h=10 m=9
